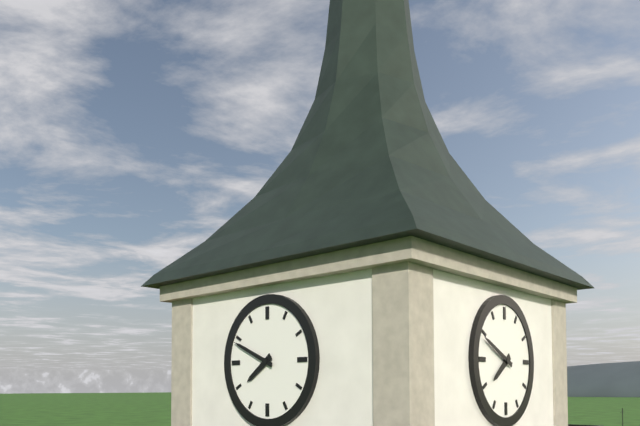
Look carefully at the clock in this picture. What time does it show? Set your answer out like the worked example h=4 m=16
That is h=7 m=49
